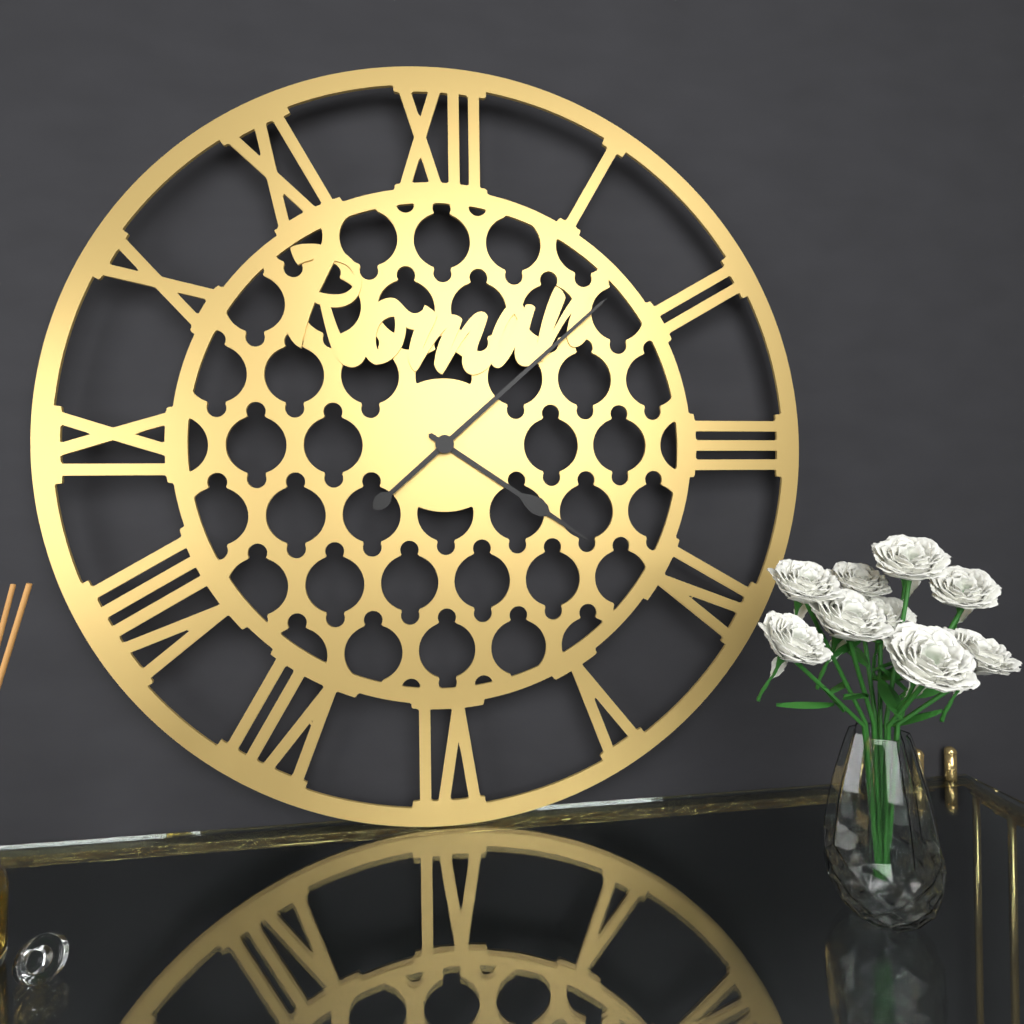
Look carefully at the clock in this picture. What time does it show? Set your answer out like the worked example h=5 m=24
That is h=4 m=8
